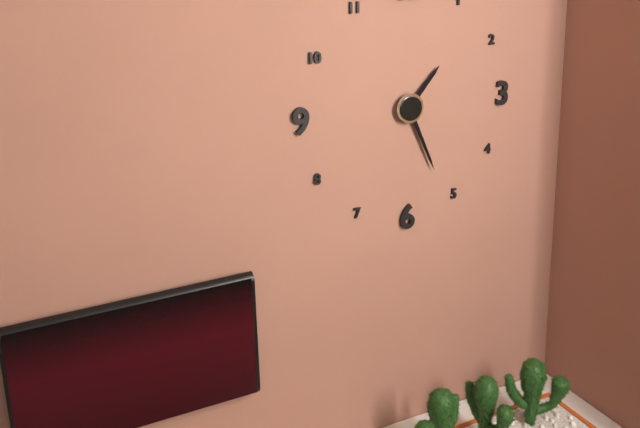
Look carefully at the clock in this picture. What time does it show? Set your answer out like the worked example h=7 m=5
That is h=1 m=26
